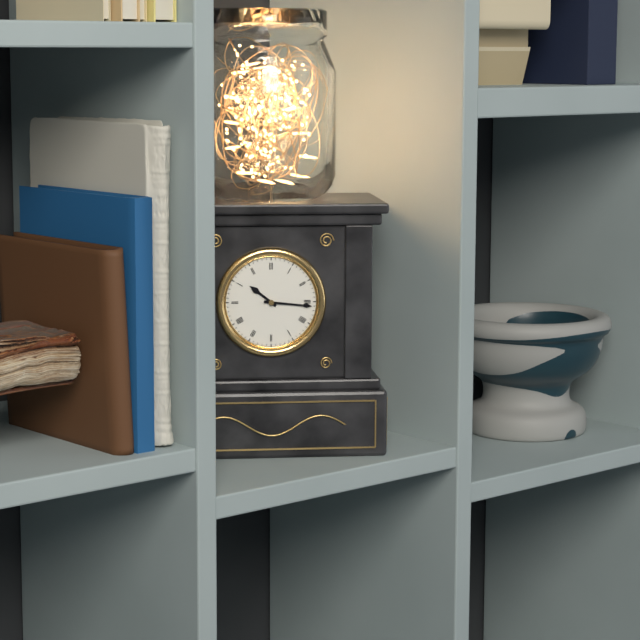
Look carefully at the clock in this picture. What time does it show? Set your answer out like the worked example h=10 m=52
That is h=10 m=16
